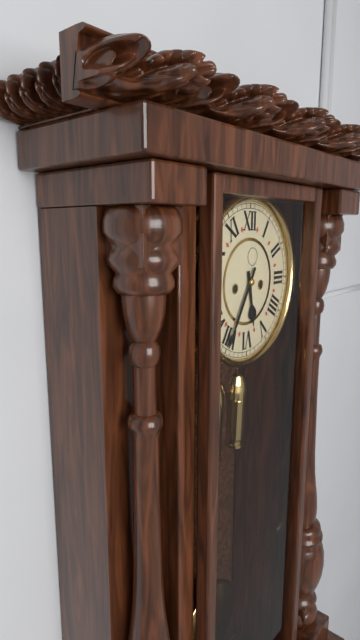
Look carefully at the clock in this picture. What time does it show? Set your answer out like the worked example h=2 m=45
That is h=5 m=35
